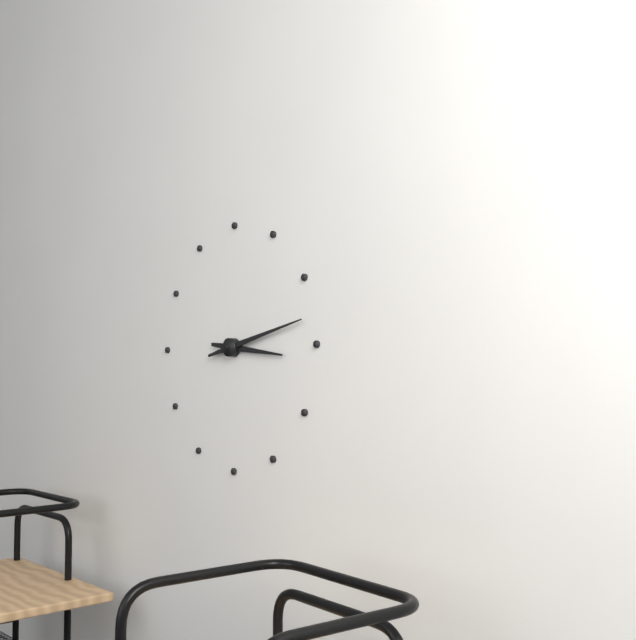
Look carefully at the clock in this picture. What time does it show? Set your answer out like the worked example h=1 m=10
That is h=3 m=13
